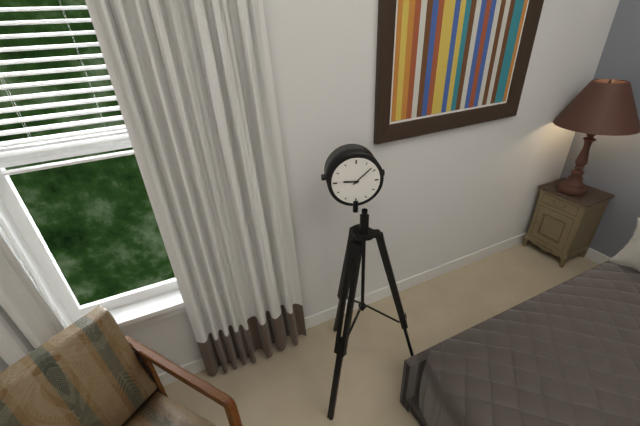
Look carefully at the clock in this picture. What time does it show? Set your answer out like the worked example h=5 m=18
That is h=9 m=8
